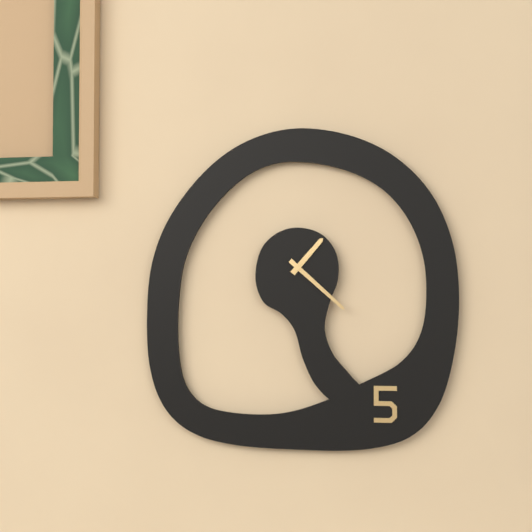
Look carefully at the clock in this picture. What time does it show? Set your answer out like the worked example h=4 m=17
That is h=1 m=22
